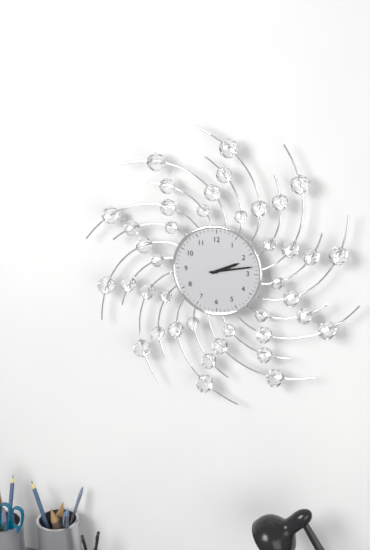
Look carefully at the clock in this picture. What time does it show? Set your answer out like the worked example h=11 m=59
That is h=2 m=13
